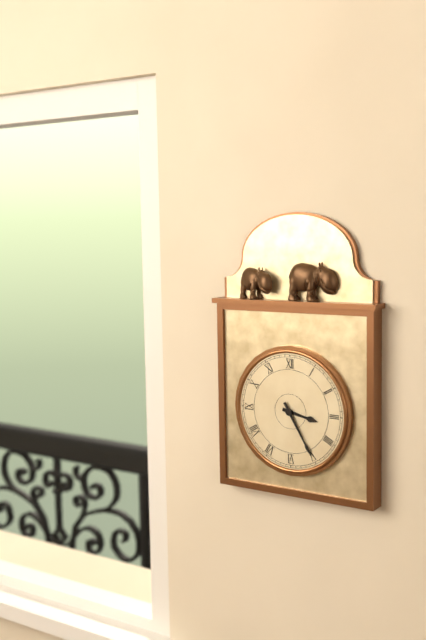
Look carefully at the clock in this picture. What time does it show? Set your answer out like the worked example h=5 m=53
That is h=3 m=25
